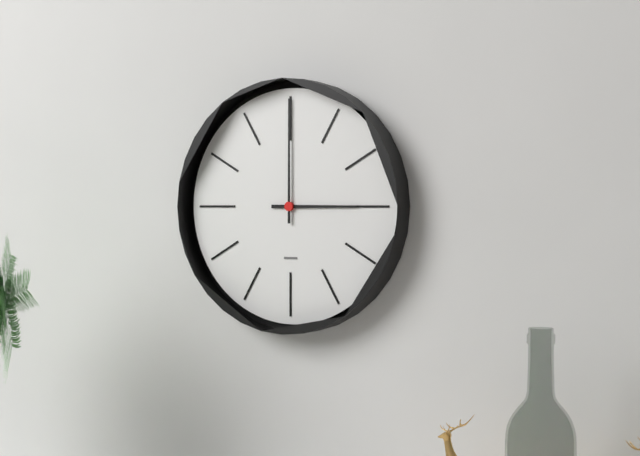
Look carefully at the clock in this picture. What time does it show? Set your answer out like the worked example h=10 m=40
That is h=3 m=0
